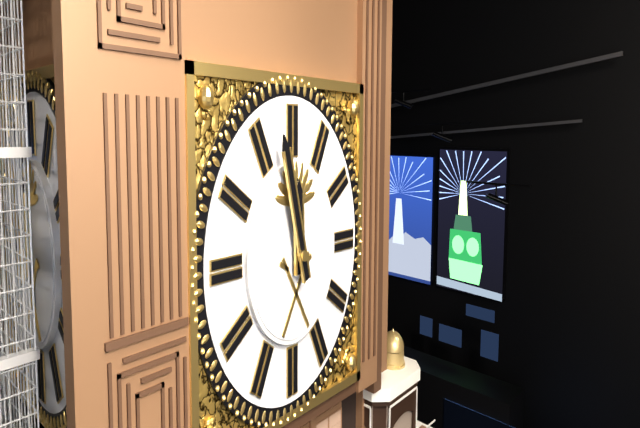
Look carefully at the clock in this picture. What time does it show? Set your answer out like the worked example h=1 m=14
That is h=11 m=57
